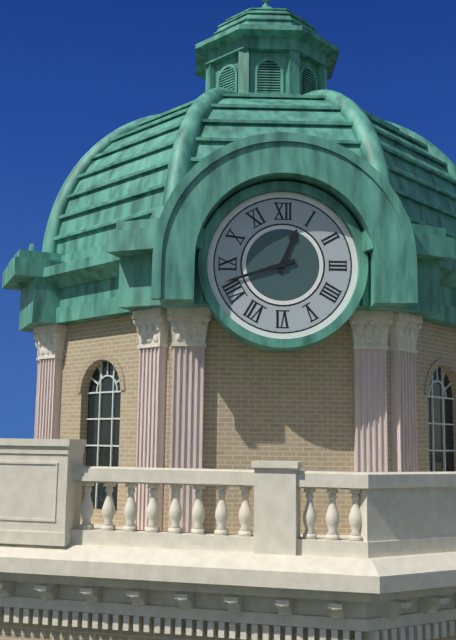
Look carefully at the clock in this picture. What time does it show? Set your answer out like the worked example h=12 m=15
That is h=12 m=42
